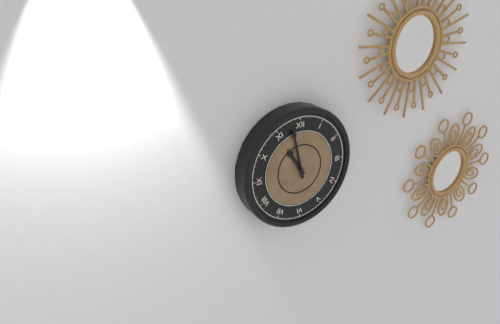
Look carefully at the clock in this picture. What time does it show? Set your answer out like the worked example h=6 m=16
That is h=10 m=58
